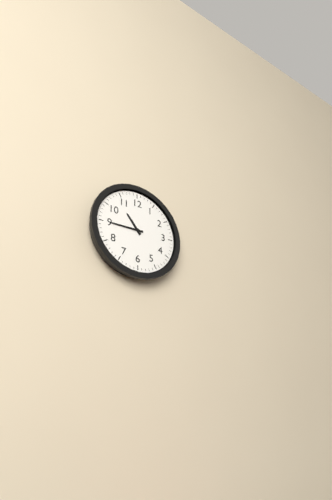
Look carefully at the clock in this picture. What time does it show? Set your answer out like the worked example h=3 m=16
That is h=10 m=45
